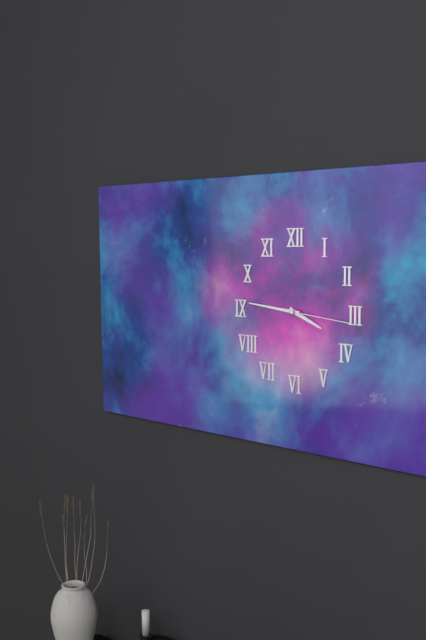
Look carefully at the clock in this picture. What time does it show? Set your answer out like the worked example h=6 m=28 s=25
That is h=3 m=46 s=16
